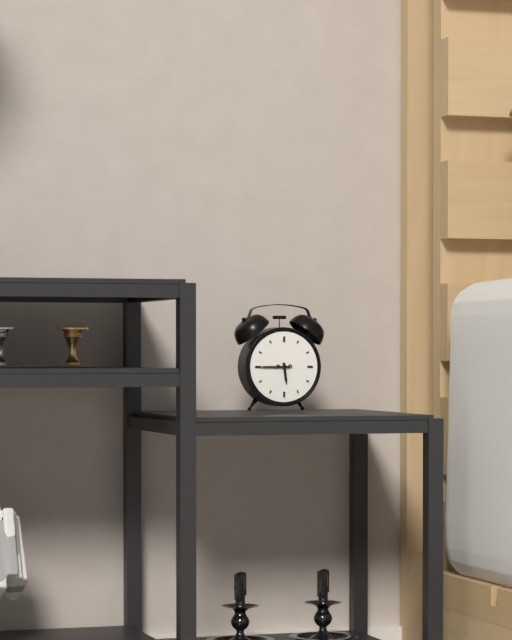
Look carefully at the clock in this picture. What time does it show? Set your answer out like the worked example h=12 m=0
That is h=5 m=45
